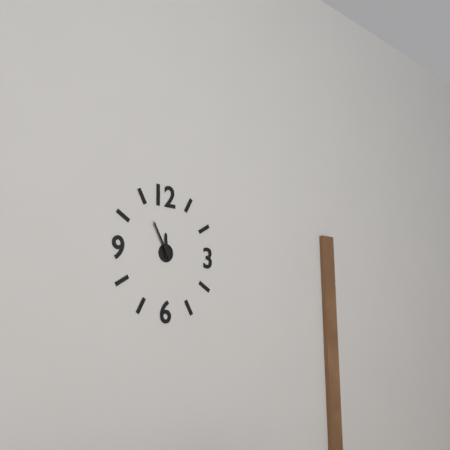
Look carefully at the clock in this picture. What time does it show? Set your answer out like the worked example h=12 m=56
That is h=11 m=55
